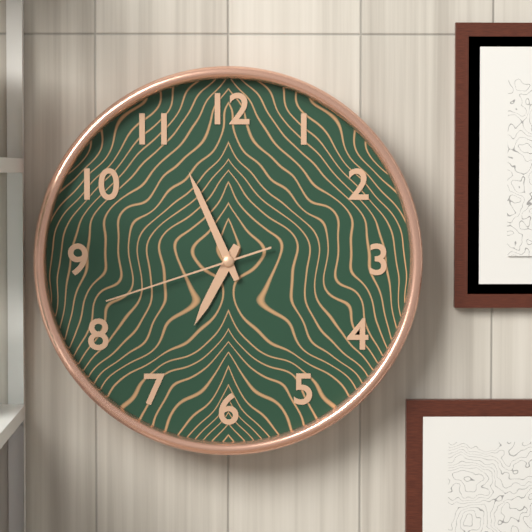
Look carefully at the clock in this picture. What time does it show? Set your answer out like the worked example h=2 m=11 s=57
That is h=6 m=56 s=42
